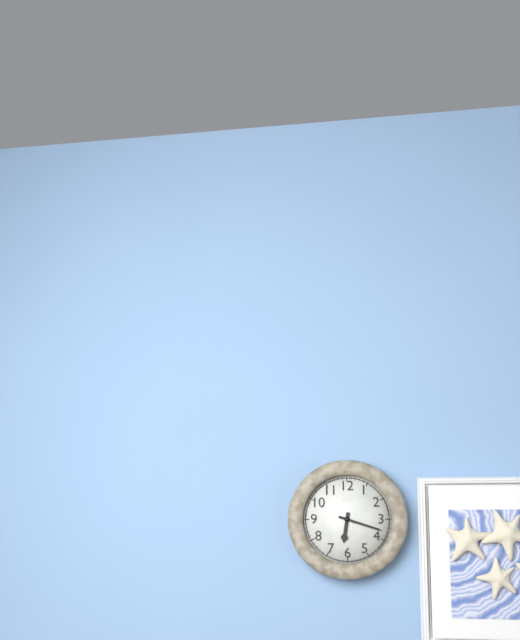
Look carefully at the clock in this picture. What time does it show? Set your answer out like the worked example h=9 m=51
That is h=6 m=18
